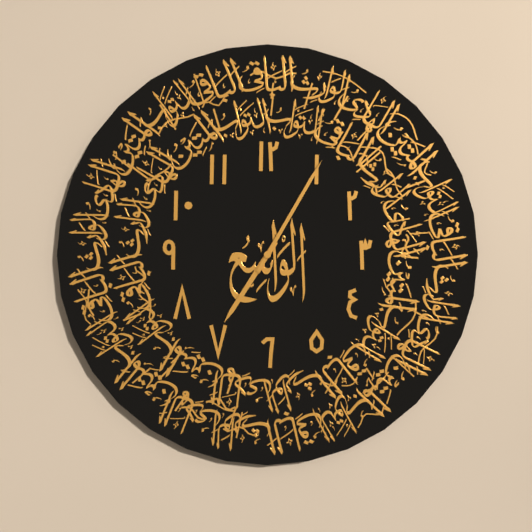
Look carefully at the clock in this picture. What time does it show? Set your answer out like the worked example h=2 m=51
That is h=7 m=5
